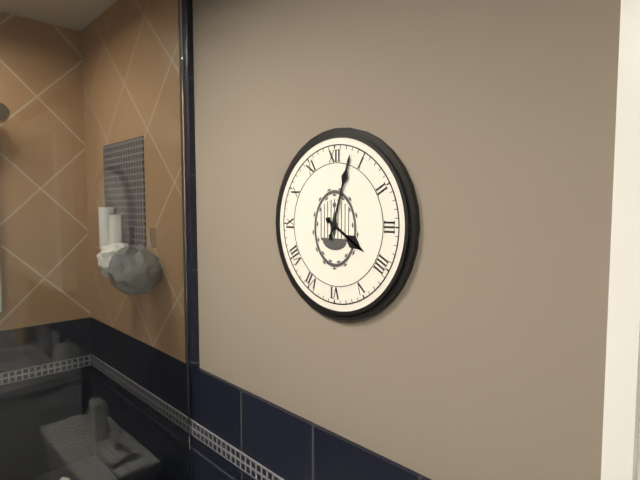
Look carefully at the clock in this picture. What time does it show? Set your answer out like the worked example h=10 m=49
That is h=4 m=3
